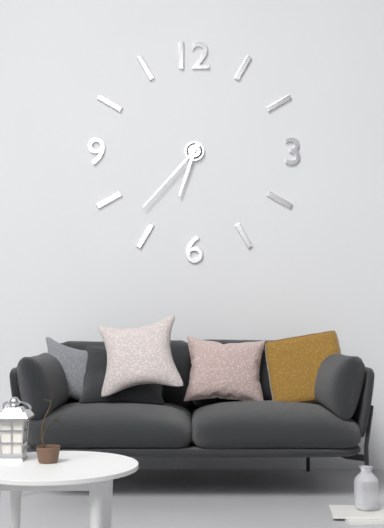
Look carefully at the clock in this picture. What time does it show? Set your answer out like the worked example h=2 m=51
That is h=6 m=37
